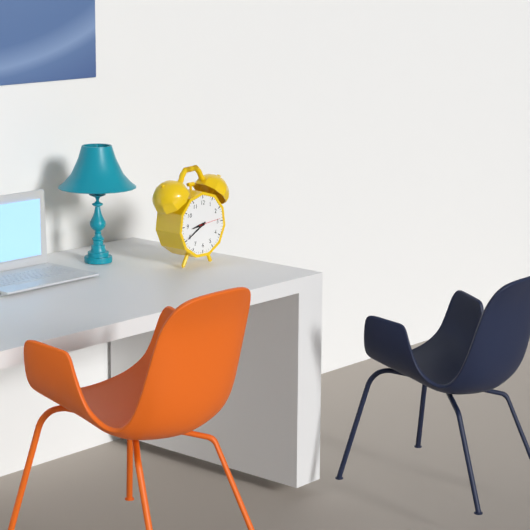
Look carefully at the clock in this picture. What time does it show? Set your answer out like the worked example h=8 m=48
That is h=8 m=40
